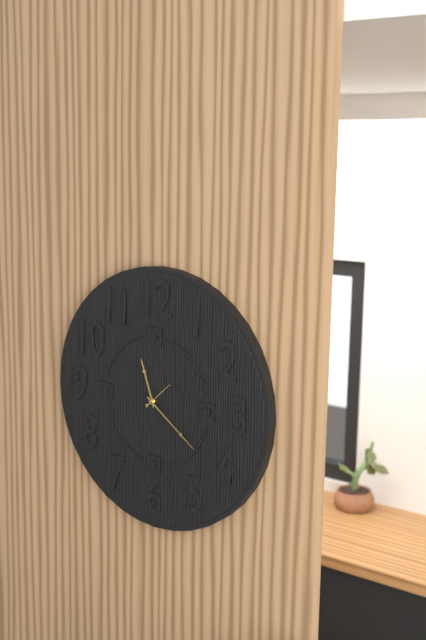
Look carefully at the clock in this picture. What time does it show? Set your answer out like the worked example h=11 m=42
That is h=11 m=21
